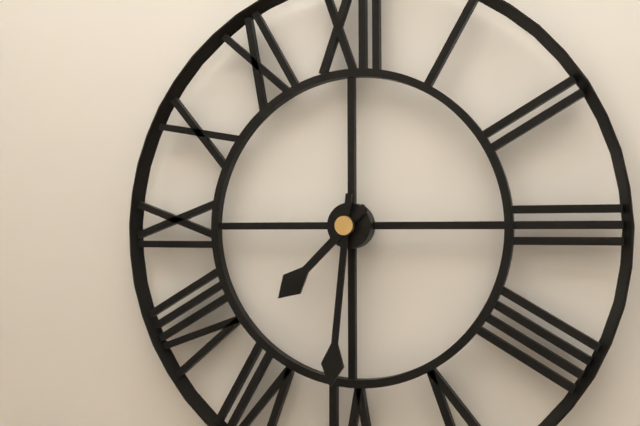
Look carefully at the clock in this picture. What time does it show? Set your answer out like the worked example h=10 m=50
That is h=7 m=31
